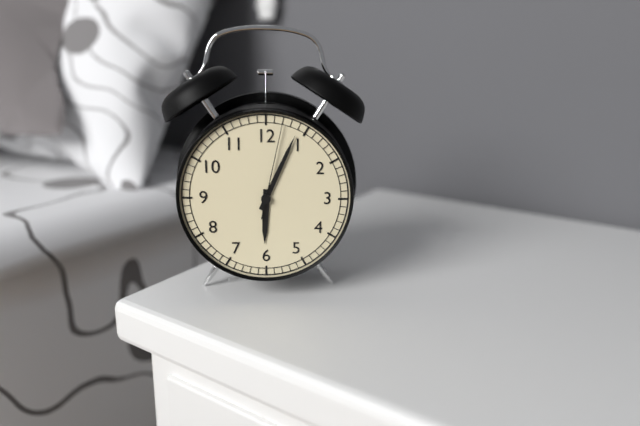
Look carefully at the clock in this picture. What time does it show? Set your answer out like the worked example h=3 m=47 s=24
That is h=6 m=4 s=2
